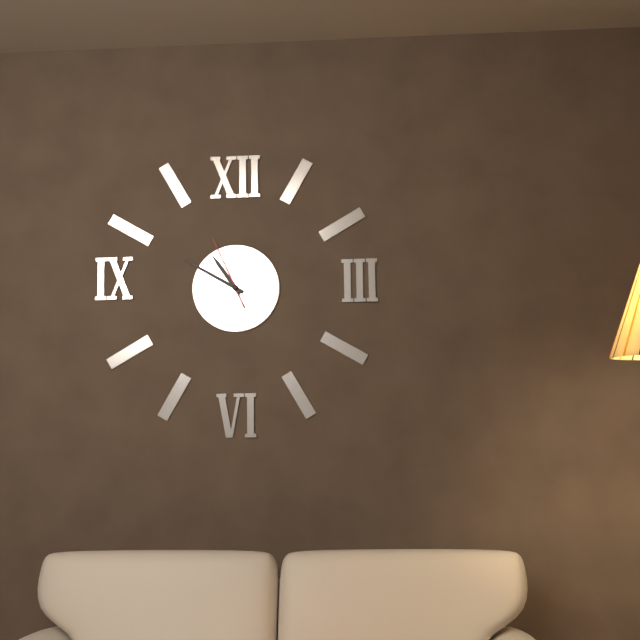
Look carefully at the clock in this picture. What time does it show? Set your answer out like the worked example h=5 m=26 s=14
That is h=10 m=50 s=56
